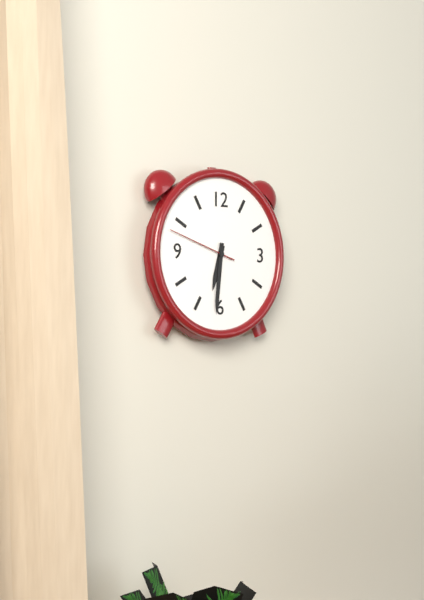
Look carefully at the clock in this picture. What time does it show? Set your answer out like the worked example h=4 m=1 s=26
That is h=6 m=31 s=48
